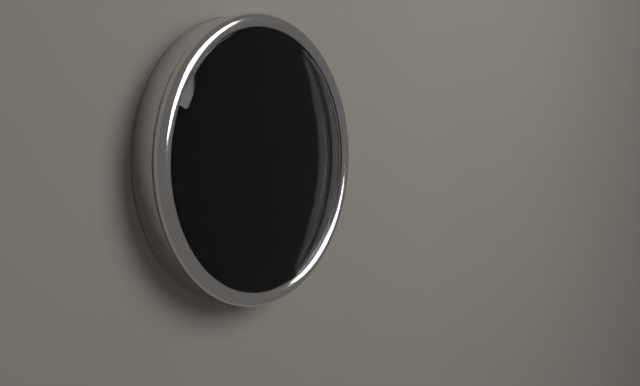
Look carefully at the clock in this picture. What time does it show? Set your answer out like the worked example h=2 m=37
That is h=11 m=58
